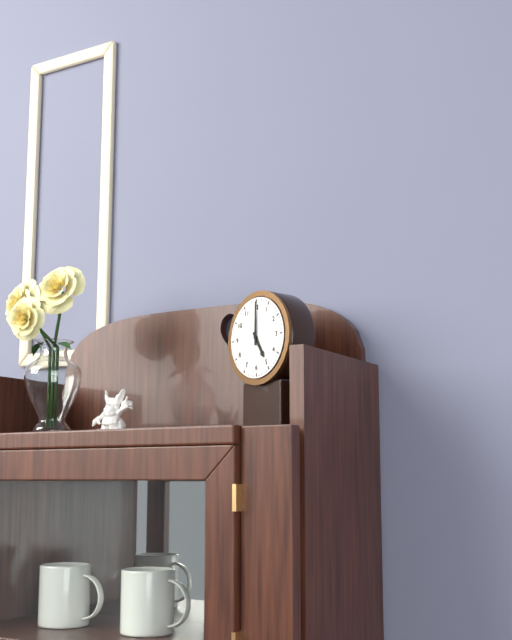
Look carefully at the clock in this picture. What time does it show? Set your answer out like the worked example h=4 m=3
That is h=5 m=0
